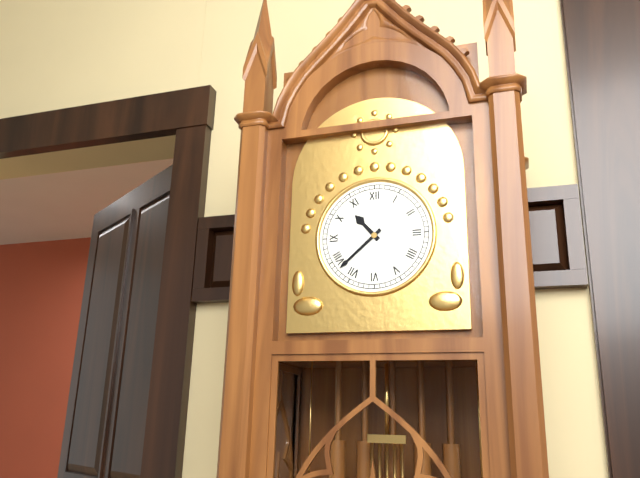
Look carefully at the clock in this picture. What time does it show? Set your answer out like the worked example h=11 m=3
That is h=10 m=38
